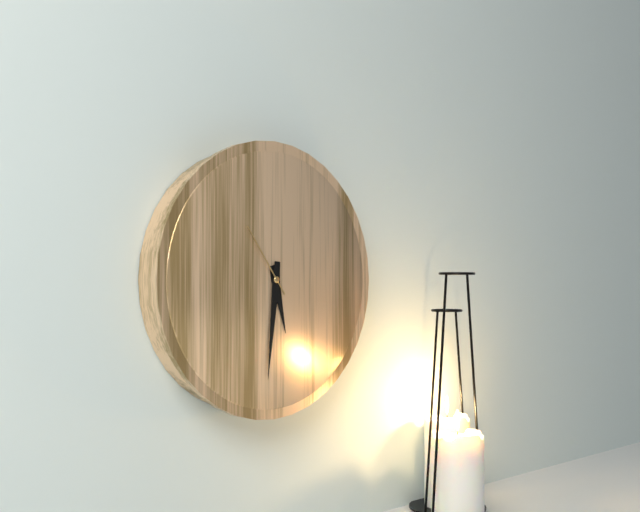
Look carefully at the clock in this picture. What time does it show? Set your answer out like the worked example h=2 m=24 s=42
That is h=5 m=31 s=54
